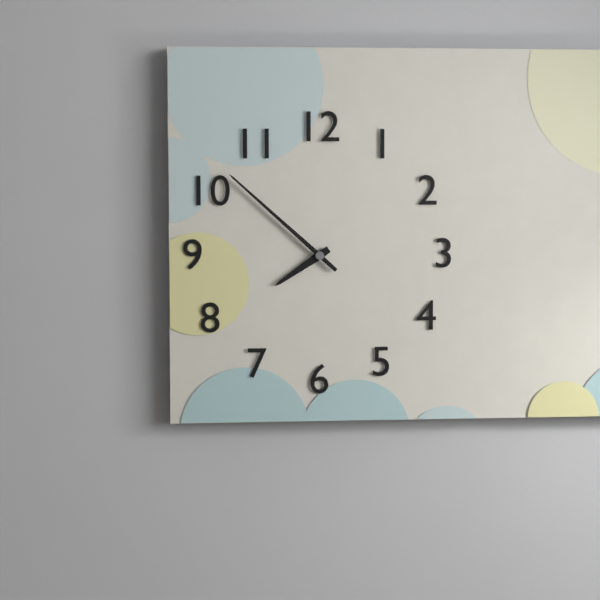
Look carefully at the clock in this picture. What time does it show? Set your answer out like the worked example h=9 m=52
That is h=7 m=52
